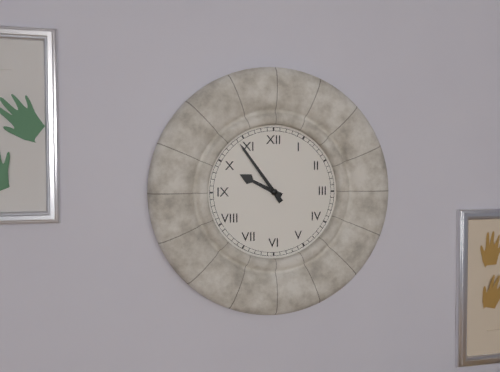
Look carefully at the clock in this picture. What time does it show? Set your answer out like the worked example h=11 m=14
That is h=9 m=54
